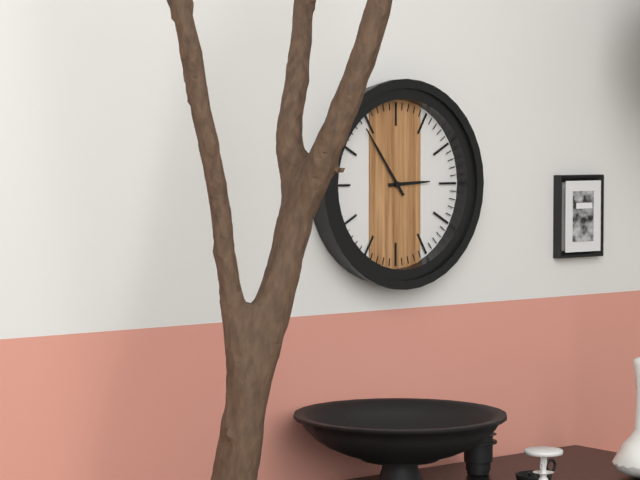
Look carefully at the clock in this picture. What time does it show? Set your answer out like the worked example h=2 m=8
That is h=2 m=54
